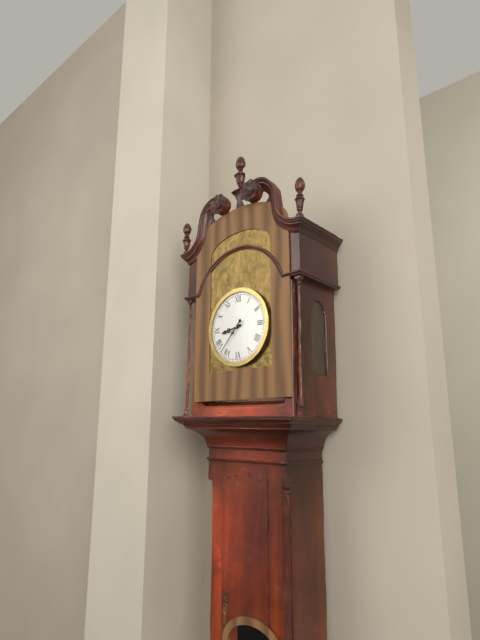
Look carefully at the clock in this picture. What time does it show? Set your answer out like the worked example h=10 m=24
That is h=8 m=37
